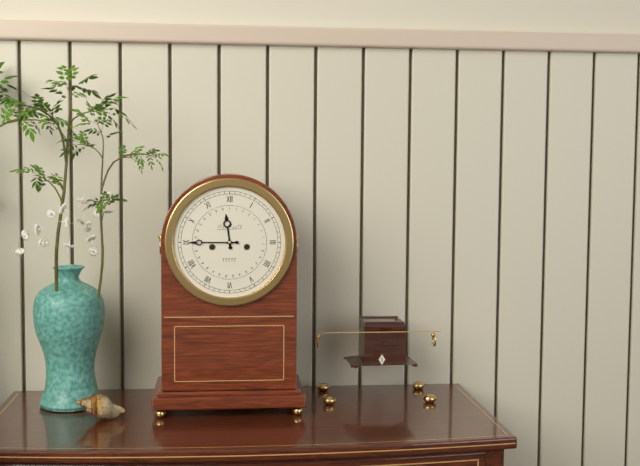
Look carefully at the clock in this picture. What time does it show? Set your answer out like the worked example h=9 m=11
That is h=11 m=45
